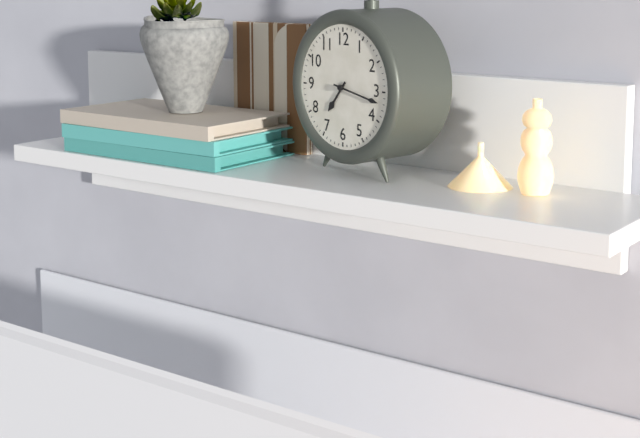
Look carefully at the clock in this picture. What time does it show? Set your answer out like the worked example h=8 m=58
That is h=7 m=17
